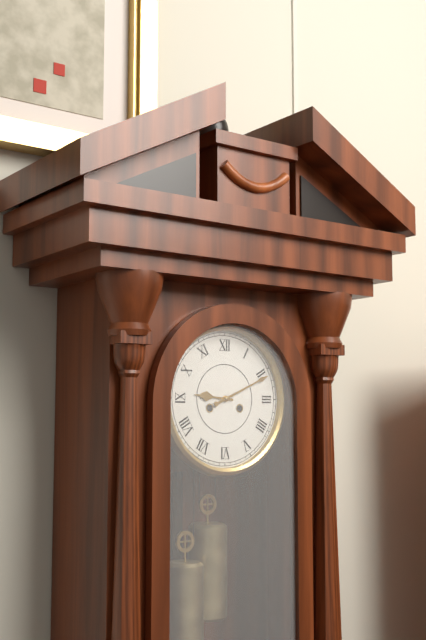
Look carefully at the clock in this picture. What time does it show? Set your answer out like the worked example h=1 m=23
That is h=9 m=11
